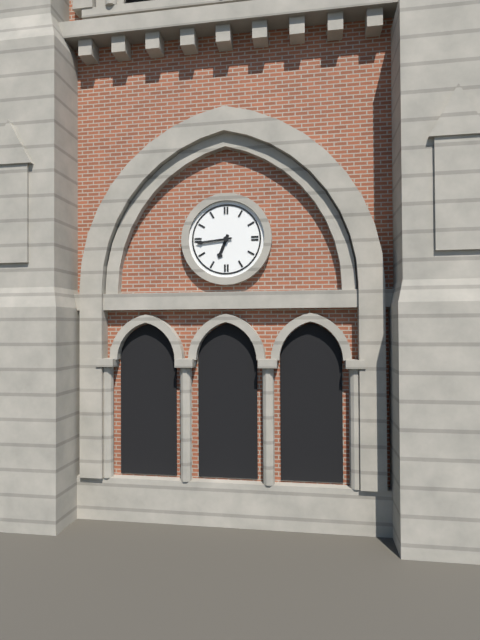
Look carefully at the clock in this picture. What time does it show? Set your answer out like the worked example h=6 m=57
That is h=6 m=44
